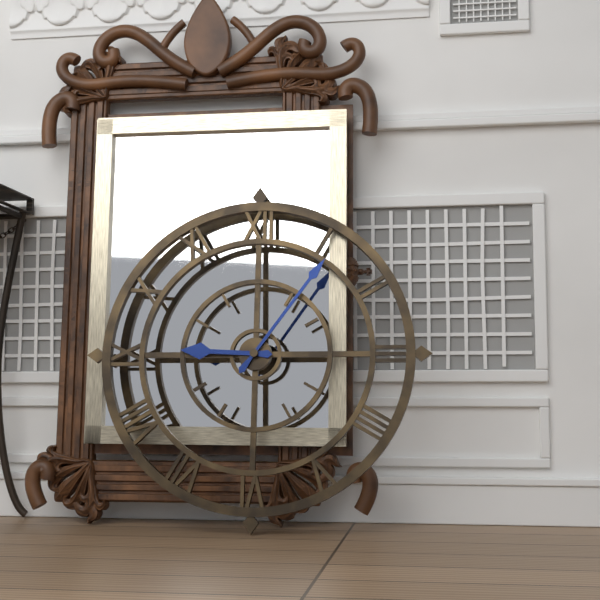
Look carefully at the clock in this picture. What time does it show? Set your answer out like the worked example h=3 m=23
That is h=9 m=6
